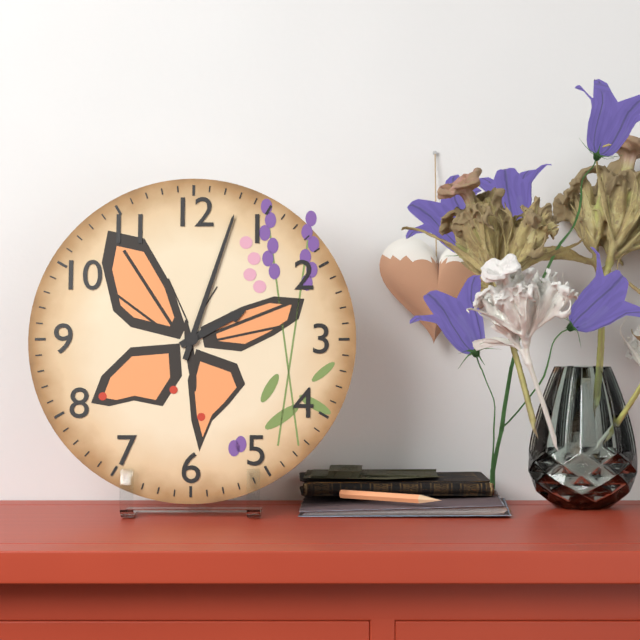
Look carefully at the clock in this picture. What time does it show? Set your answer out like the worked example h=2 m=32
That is h=2 m=3
